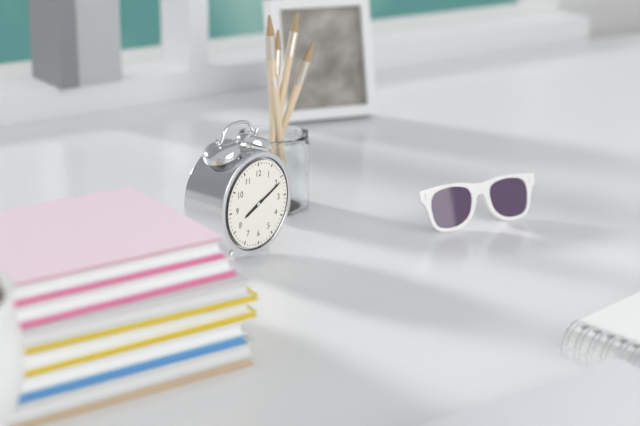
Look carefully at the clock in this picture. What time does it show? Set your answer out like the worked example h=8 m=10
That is h=8 m=11
